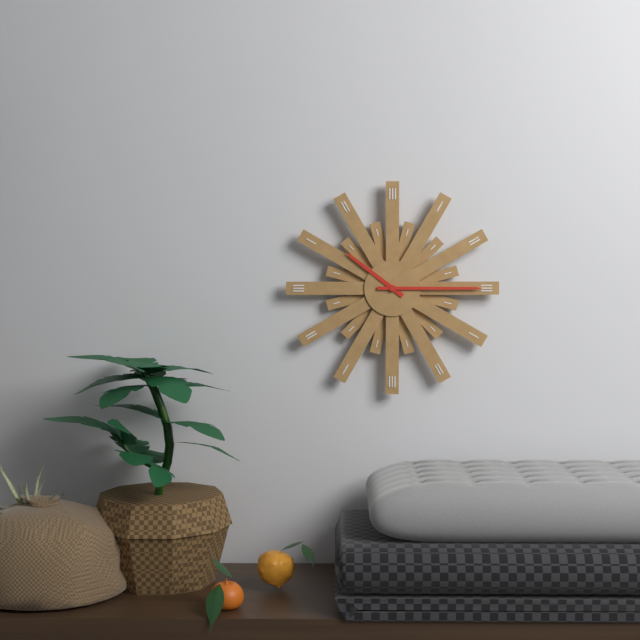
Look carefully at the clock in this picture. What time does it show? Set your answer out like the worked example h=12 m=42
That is h=10 m=15
